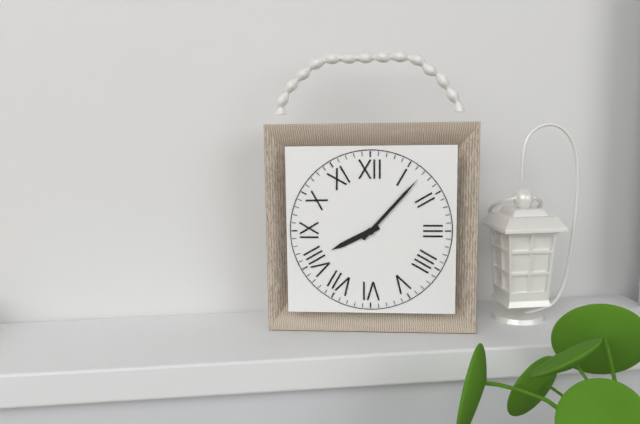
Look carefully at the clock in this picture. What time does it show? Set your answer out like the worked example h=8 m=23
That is h=8 m=7
